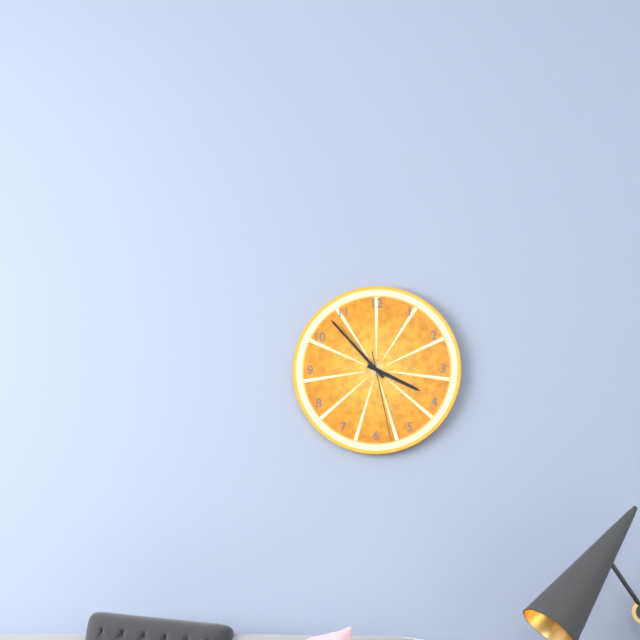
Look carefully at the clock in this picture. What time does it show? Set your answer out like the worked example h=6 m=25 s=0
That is h=3 m=53 s=28
